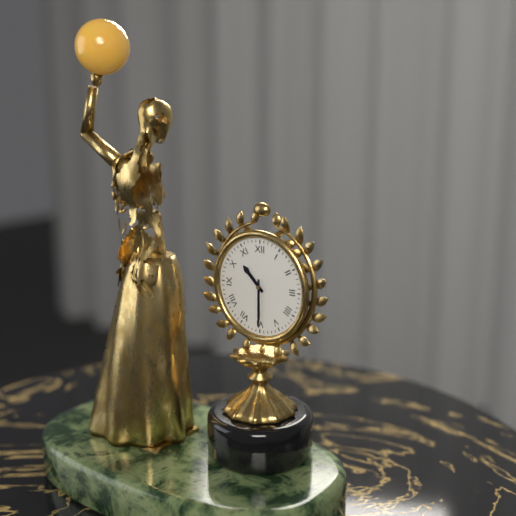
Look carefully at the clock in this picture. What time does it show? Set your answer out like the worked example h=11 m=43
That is h=10 m=30
